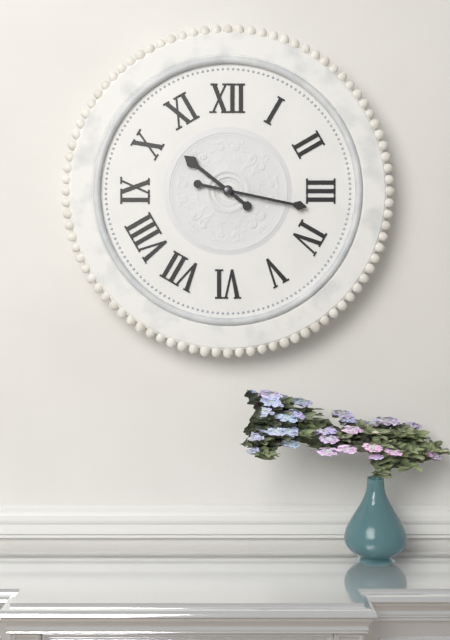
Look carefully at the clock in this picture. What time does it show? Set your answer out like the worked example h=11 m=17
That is h=10 m=17
